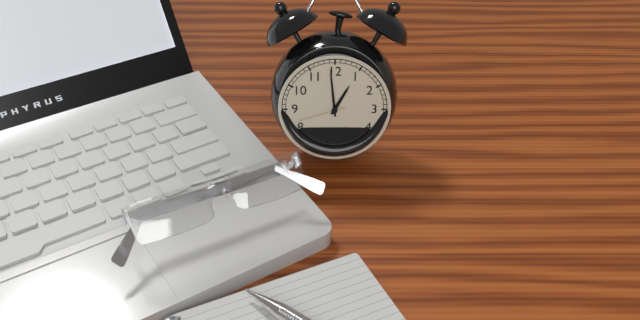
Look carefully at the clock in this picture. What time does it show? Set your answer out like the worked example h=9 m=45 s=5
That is h=12 m=59 s=42
